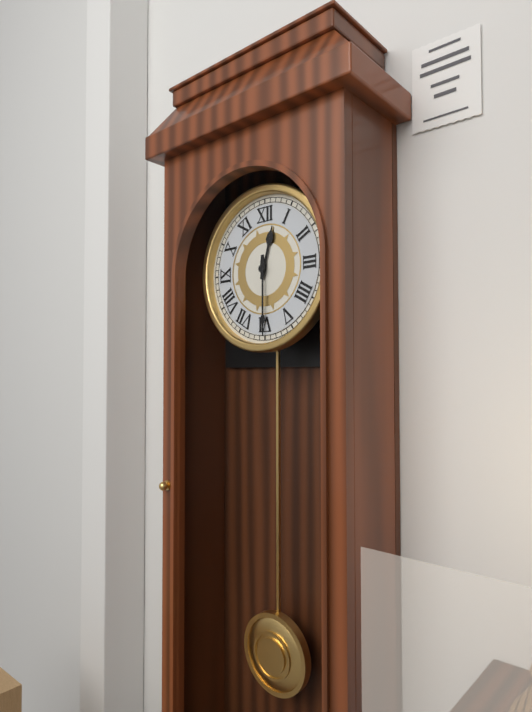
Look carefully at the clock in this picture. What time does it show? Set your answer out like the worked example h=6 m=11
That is h=12 m=30
